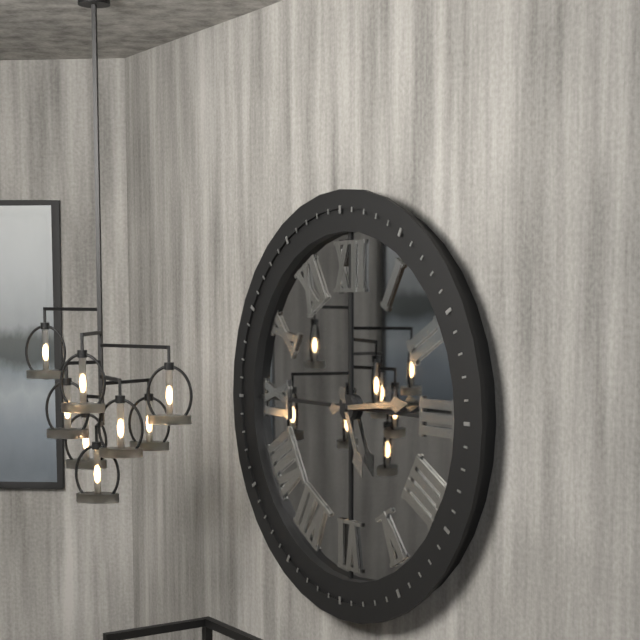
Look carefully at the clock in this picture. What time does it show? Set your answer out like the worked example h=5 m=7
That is h=5 m=14
